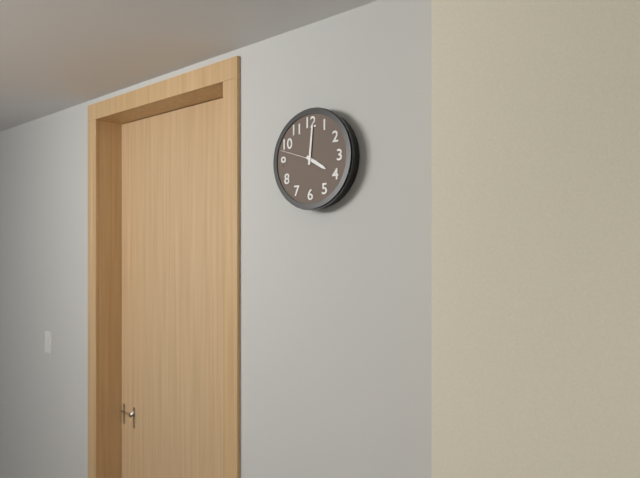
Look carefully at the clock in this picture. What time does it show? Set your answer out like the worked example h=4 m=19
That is h=4 m=1
